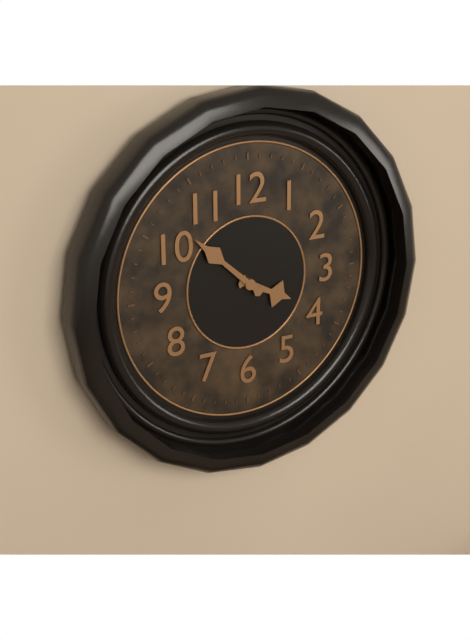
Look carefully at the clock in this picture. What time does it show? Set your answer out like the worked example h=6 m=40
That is h=3 m=52
